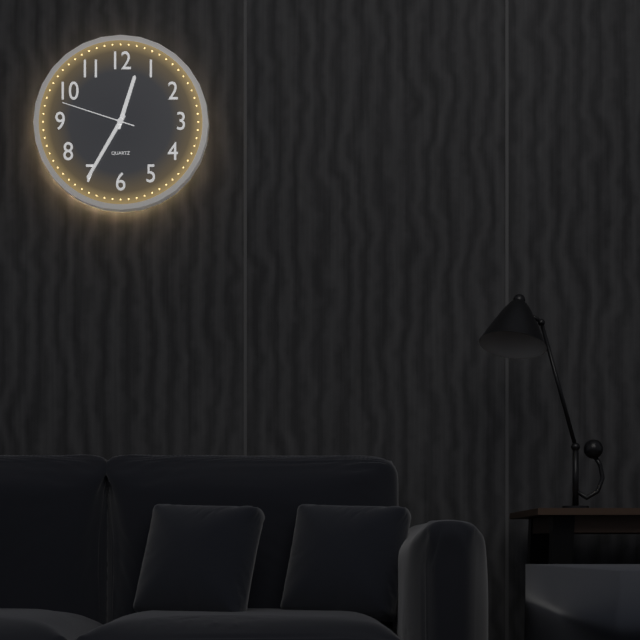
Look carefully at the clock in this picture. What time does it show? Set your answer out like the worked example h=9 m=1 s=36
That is h=12 m=35 s=48
